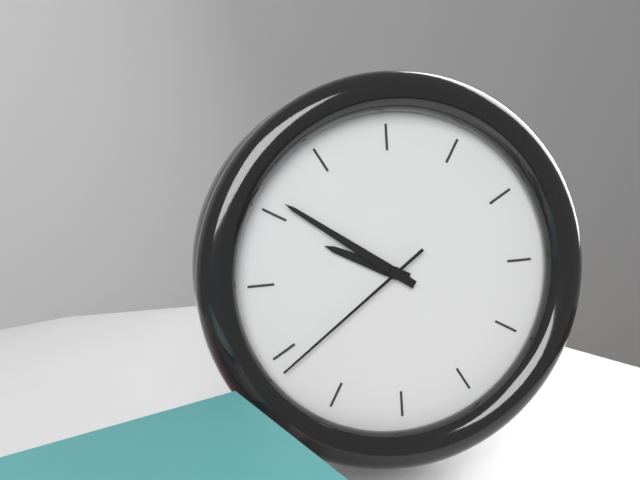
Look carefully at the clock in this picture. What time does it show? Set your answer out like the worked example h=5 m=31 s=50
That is h=9 m=51 s=39
